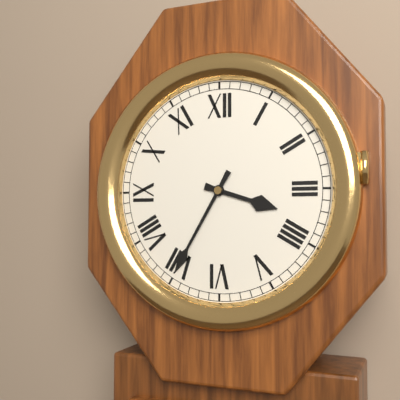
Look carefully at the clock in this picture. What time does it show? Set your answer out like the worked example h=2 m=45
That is h=3 m=35
